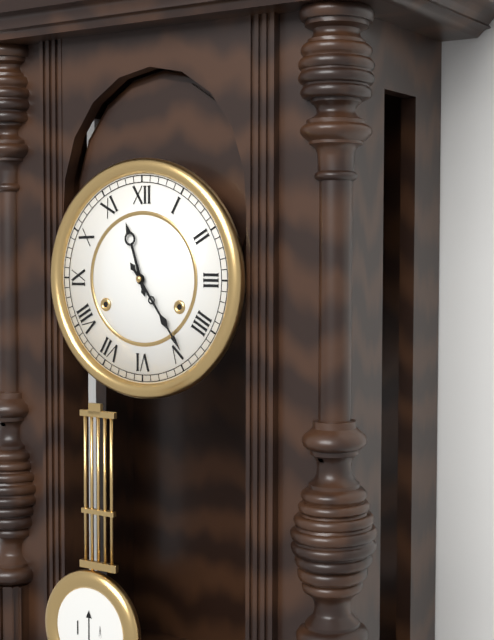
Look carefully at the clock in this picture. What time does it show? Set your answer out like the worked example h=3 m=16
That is h=11 m=24
